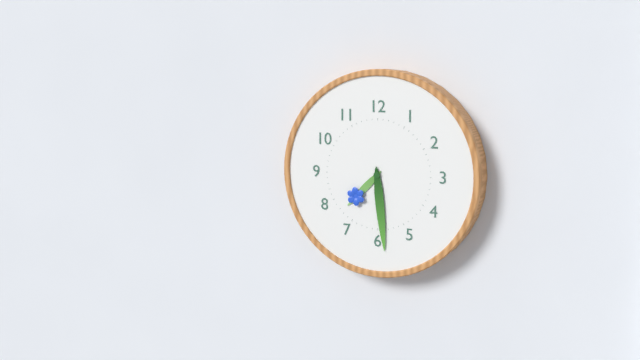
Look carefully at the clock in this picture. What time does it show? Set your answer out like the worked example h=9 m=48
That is h=7 m=29
